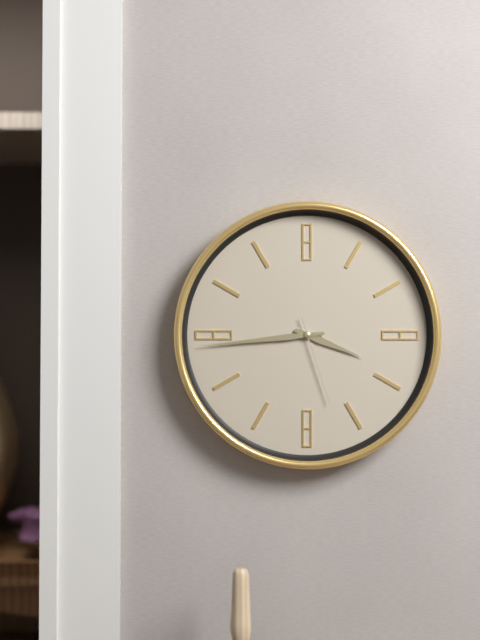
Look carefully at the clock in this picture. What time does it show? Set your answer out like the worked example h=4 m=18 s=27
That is h=3 m=44 s=27
